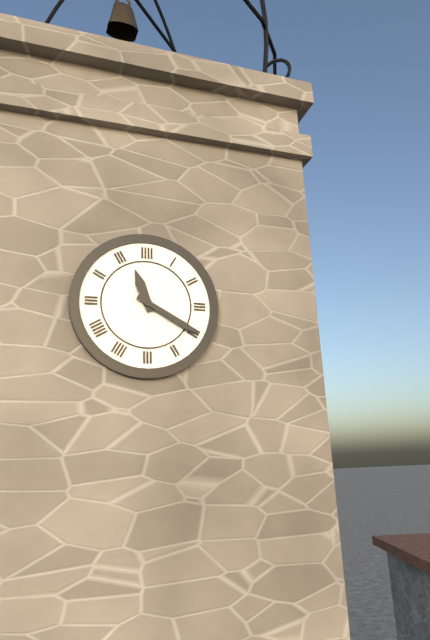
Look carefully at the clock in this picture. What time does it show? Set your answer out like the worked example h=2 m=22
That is h=11 m=20
